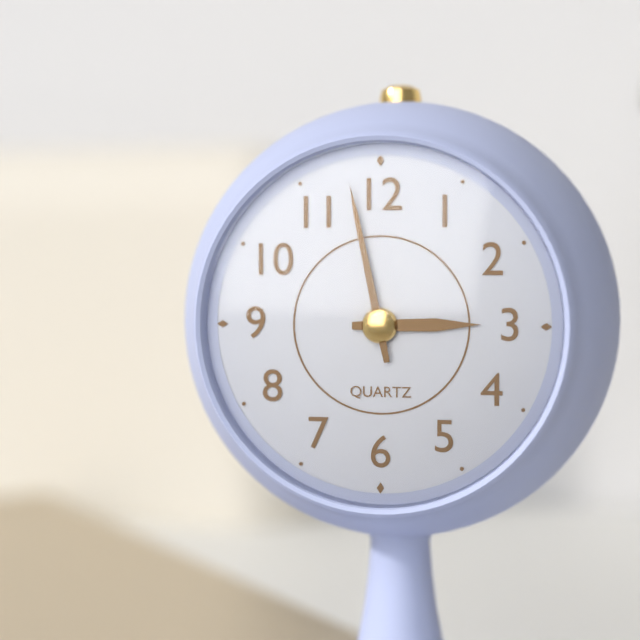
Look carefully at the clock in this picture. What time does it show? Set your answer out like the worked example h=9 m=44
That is h=2 m=58
